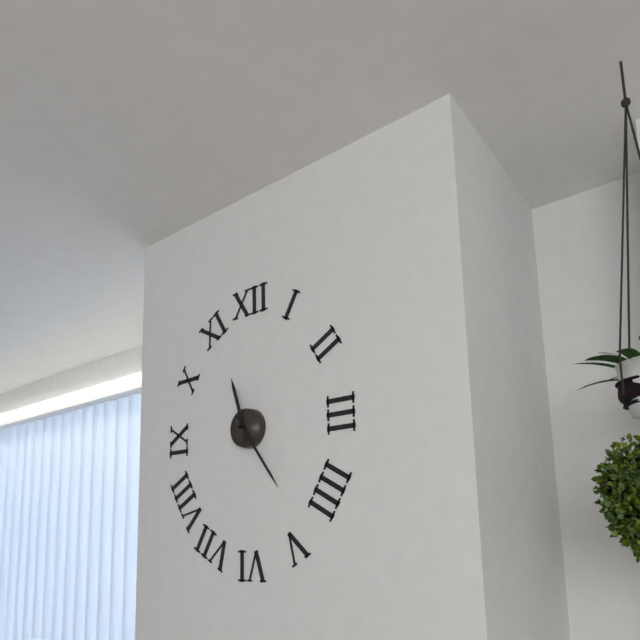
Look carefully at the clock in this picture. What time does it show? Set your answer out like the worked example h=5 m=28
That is h=11 m=24
